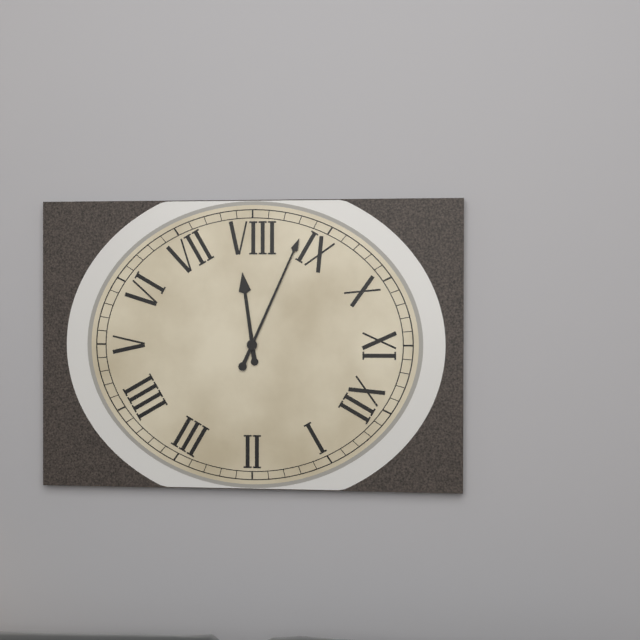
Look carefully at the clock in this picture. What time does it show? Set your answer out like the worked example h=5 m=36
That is h=7 m=44
